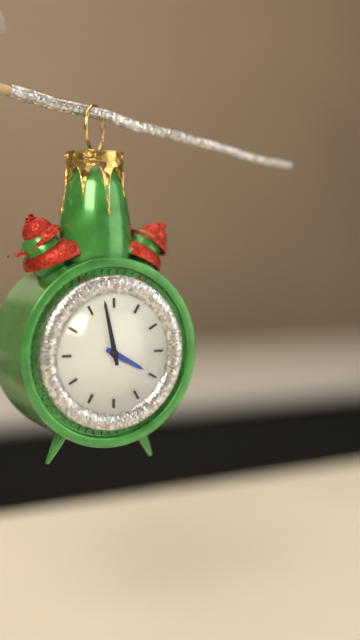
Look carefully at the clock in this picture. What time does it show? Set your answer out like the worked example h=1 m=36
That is h=3 m=58
